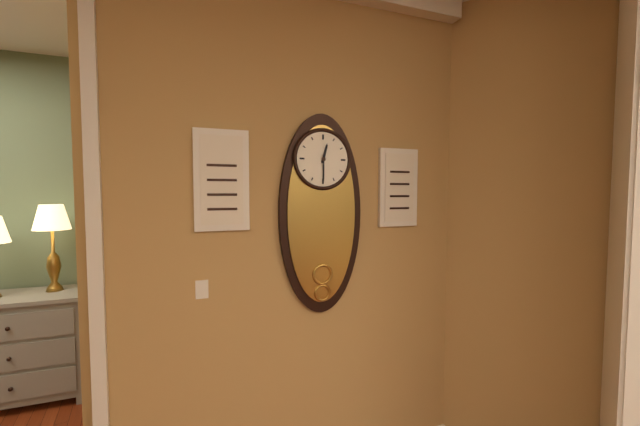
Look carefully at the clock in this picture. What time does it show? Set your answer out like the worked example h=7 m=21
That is h=12 m=30
